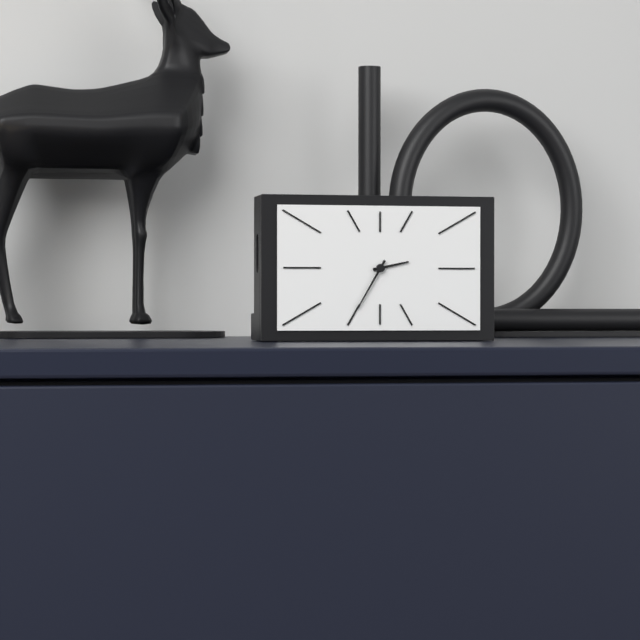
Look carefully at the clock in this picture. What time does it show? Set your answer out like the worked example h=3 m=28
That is h=2 m=35
